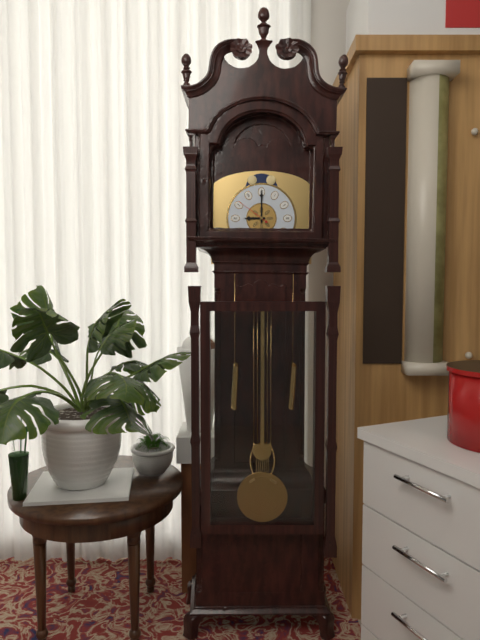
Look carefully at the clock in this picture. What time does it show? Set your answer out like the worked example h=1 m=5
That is h=9 m=0
